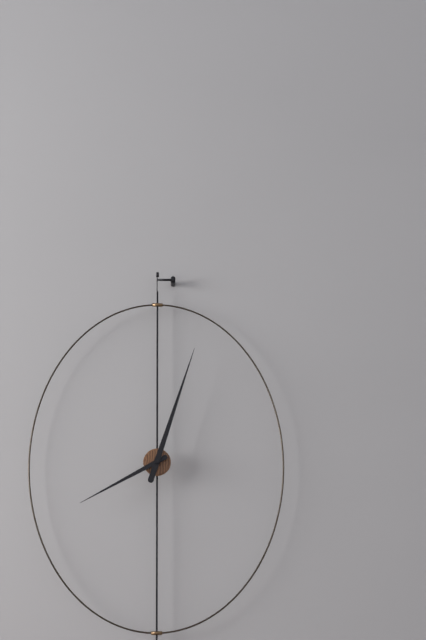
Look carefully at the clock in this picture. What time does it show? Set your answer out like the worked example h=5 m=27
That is h=8 m=3
